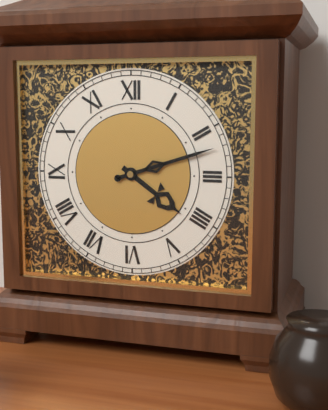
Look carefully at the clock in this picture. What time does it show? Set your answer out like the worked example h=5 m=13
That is h=4 m=12
